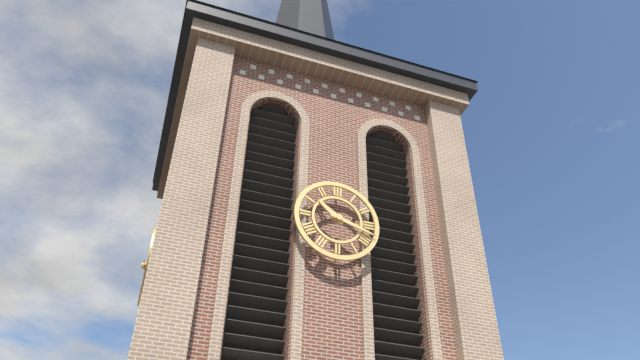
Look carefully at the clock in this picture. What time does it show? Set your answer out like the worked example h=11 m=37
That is h=10 m=18
